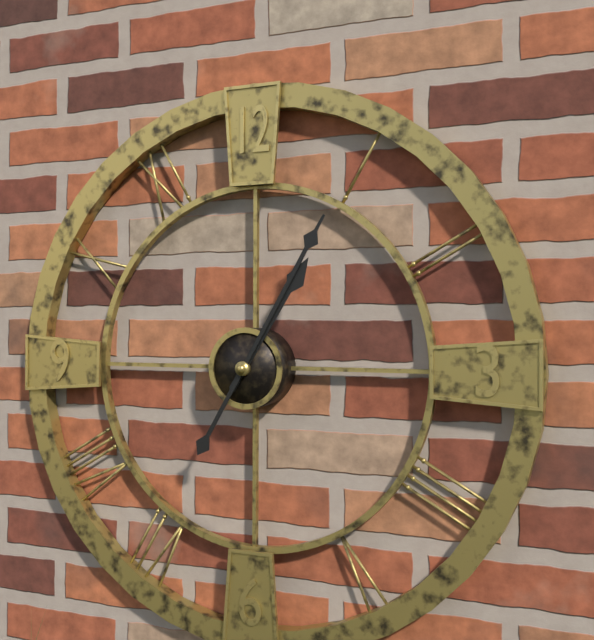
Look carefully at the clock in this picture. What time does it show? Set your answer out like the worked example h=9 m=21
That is h=1 m=5
